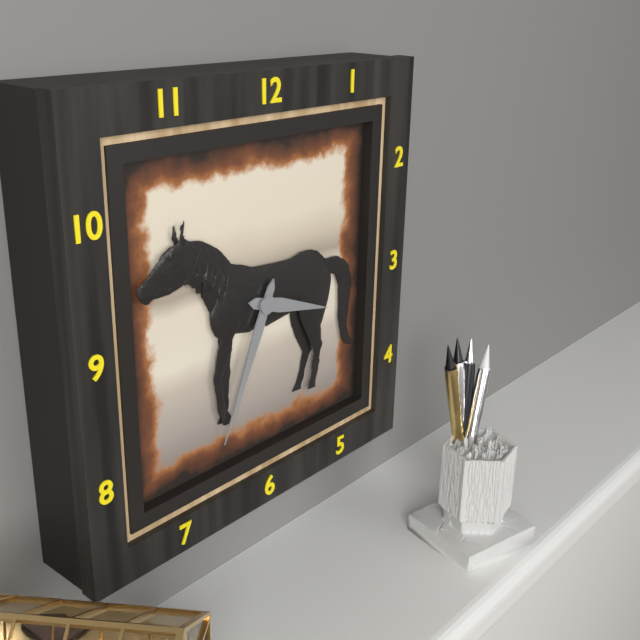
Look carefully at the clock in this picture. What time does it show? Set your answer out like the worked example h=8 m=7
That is h=3 m=34
